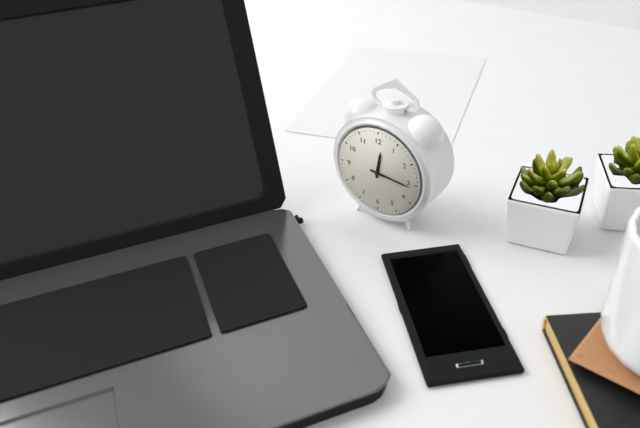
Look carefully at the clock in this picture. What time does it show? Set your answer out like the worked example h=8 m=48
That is h=12 m=16
